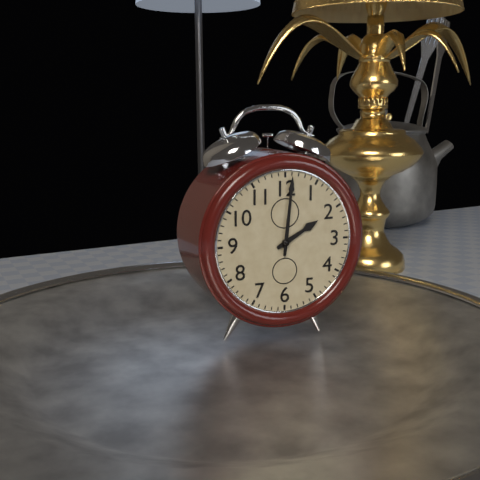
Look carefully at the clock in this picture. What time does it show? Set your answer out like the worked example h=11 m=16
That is h=2 m=1
